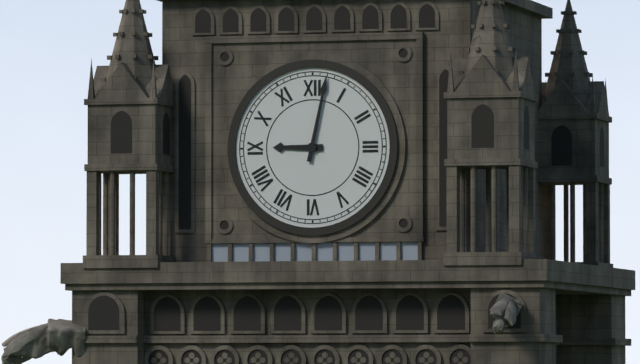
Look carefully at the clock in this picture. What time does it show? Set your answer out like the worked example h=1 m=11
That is h=9 m=2
